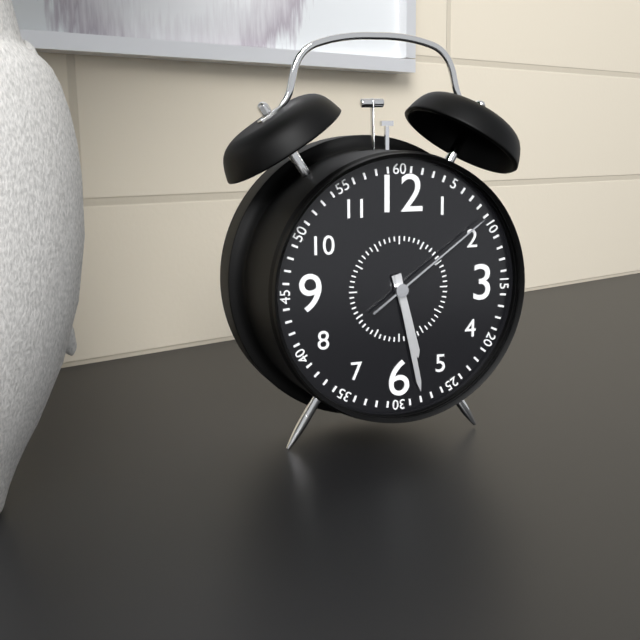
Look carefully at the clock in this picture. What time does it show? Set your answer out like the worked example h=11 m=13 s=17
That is h=5 m=28 s=9
